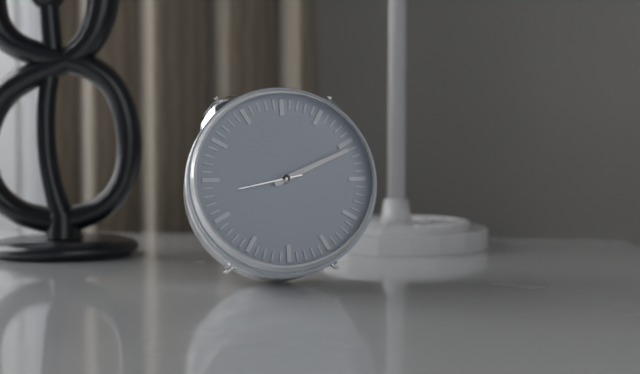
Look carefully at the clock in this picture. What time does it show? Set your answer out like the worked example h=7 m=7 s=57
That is h=2 m=11 s=43
